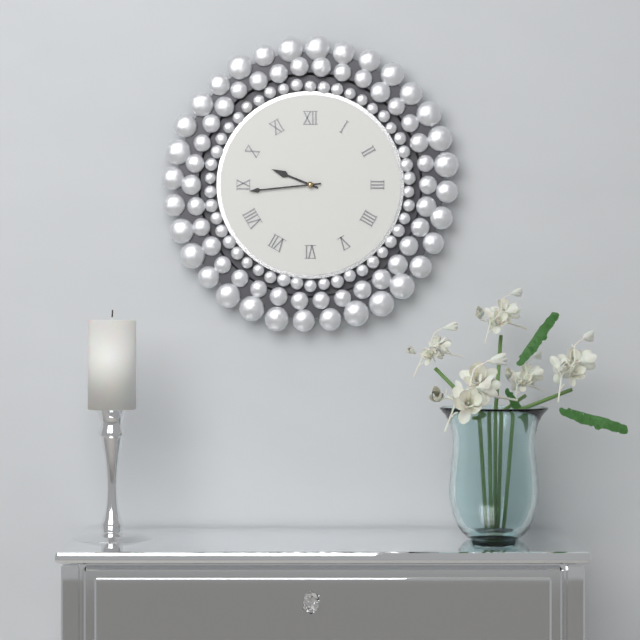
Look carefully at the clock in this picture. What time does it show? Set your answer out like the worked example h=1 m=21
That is h=9 m=44
